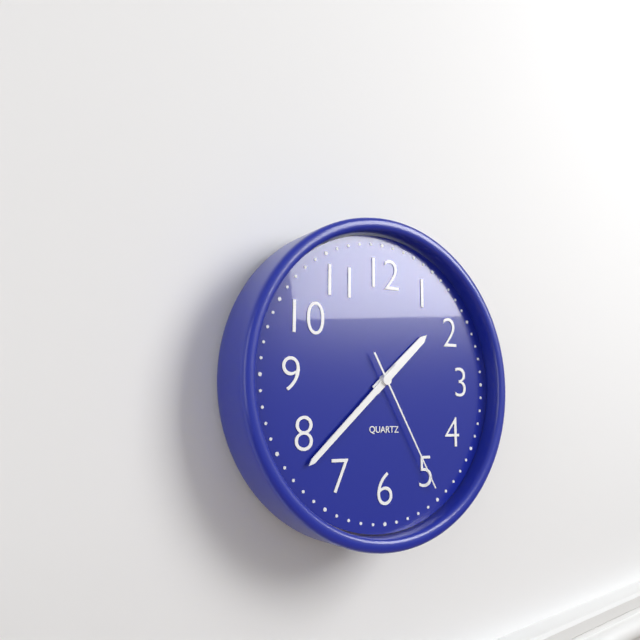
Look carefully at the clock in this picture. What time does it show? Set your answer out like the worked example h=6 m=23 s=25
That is h=1 m=38 s=25
